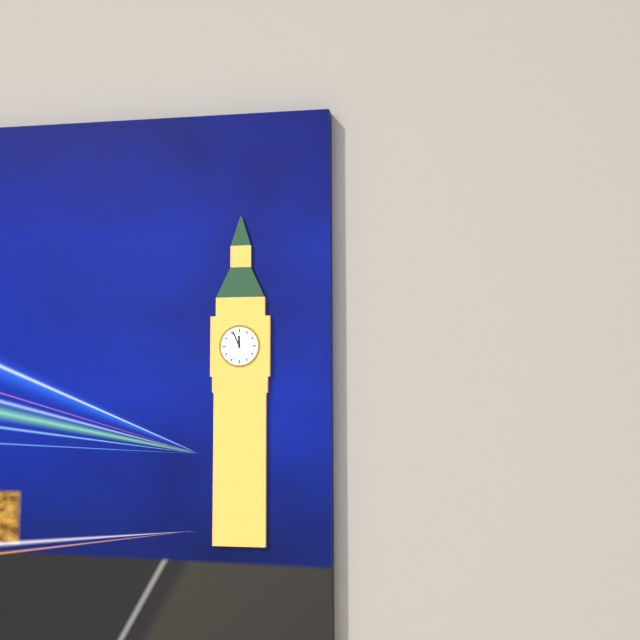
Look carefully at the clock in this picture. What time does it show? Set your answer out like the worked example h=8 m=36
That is h=11 m=56
